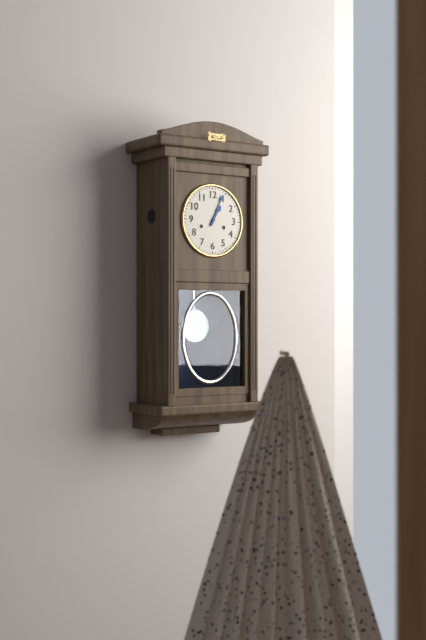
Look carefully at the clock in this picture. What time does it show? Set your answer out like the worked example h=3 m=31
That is h=1 m=4
